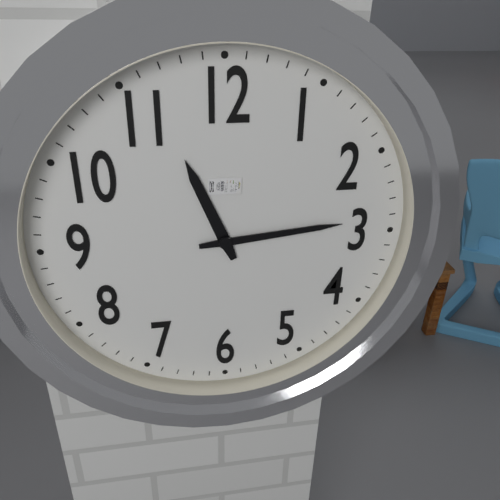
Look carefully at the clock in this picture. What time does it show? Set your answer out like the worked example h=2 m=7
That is h=11 m=14
